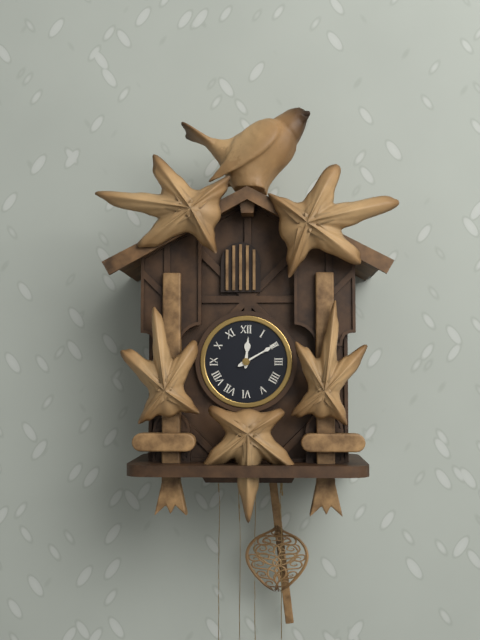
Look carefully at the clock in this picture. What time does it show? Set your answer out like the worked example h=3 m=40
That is h=12 m=10
